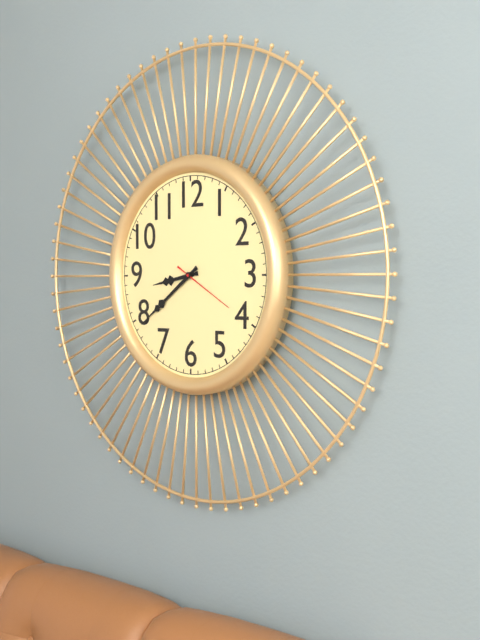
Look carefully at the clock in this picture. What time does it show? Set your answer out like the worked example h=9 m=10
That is h=8 m=39
